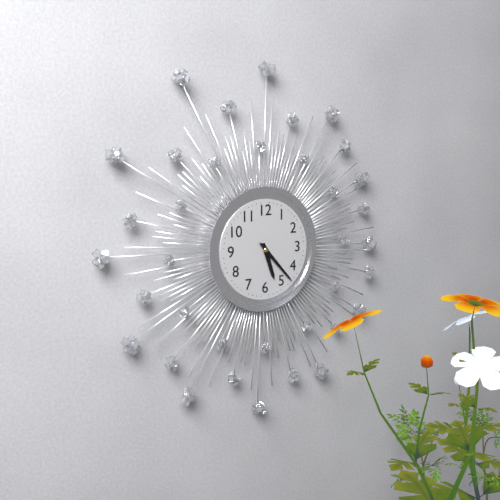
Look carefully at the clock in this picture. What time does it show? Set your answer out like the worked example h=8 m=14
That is h=5 m=23
